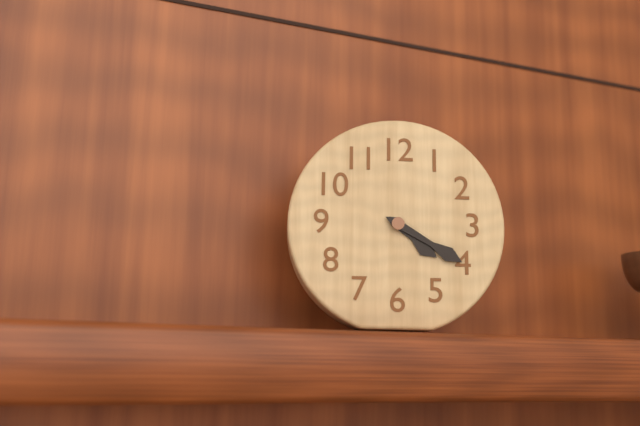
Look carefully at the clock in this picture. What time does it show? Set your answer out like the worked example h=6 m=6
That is h=4 m=20
